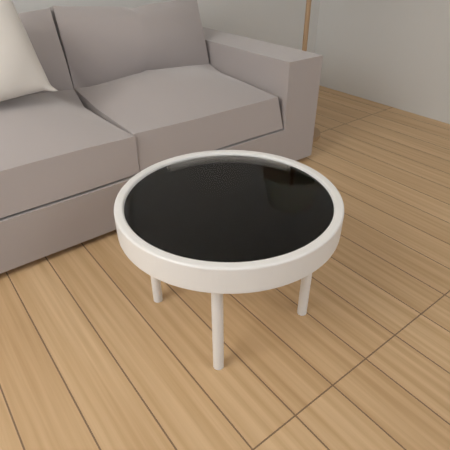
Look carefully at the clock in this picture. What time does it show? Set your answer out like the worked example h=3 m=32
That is h=6 m=38
